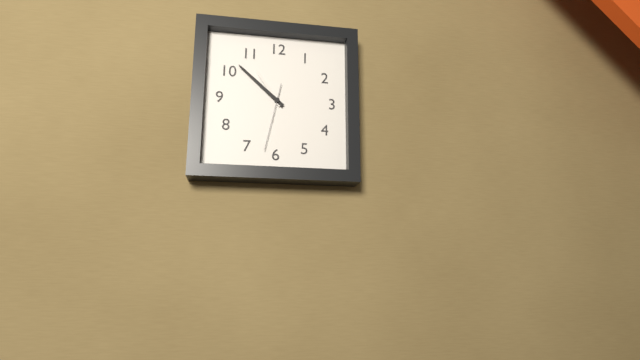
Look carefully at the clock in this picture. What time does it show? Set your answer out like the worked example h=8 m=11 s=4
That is h=10 m=52 s=32
